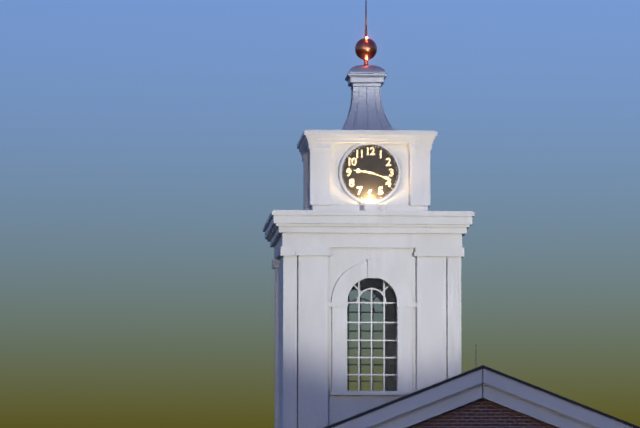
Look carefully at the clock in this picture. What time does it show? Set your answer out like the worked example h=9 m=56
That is h=9 m=18
